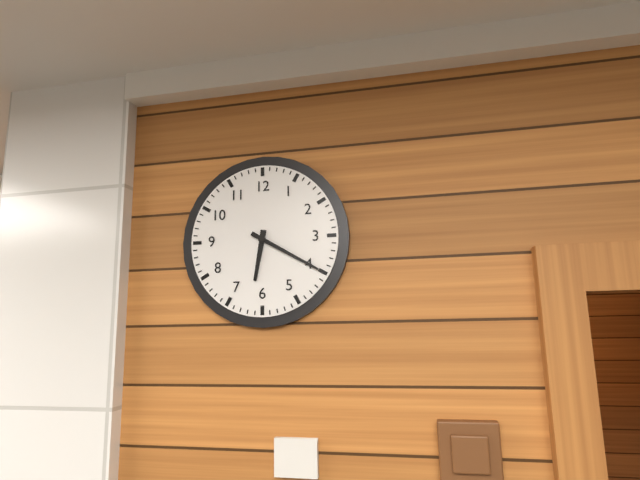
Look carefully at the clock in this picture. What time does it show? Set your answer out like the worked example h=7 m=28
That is h=6 m=20
